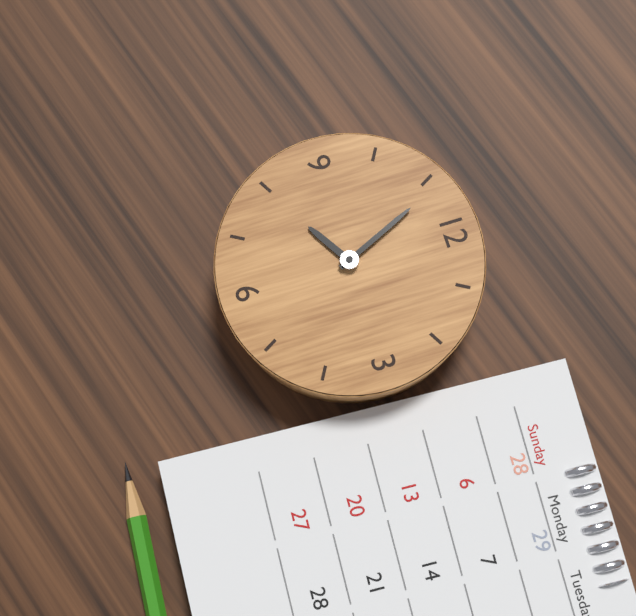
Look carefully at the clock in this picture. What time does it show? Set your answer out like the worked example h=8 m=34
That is h=7 m=56
